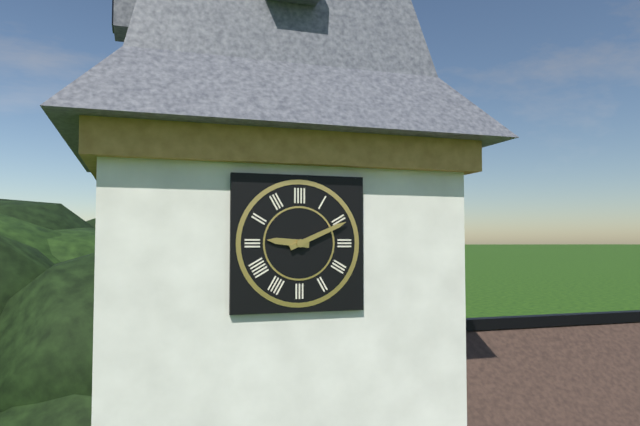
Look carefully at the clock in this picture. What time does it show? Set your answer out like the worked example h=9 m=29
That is h=9 m=11
